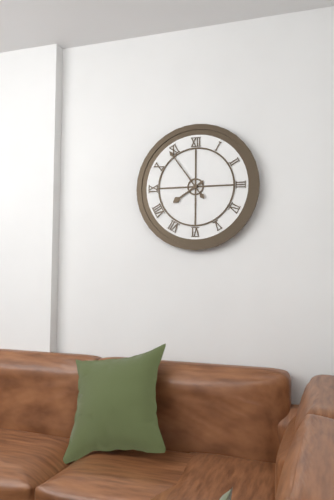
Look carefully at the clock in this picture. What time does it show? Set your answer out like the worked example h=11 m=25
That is h=7 m=54
